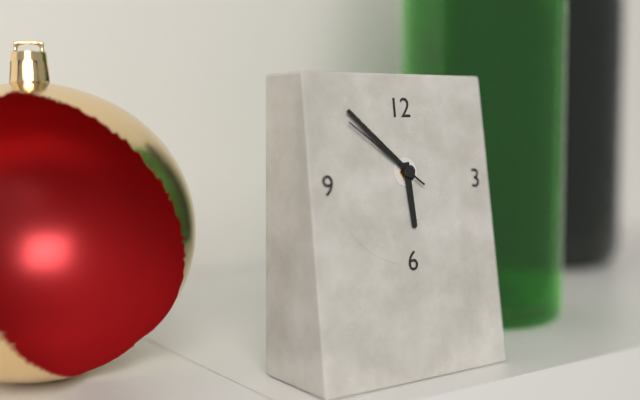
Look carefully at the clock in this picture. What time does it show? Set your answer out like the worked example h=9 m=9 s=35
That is h=5 m=52 s=51
